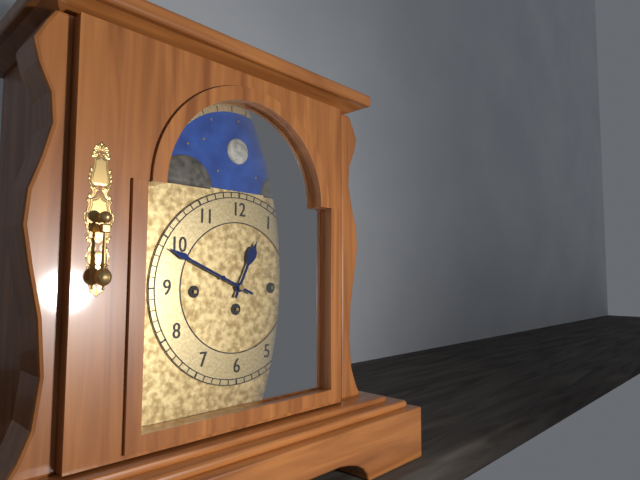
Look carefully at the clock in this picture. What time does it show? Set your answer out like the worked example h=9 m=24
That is h=12 m=49
